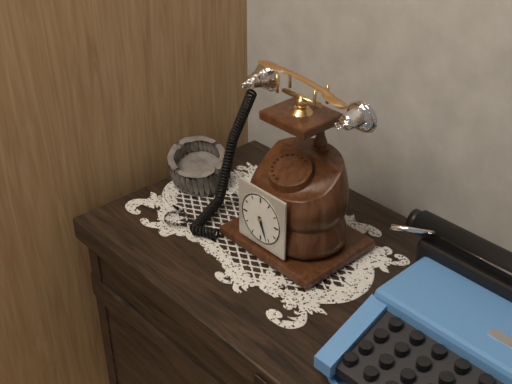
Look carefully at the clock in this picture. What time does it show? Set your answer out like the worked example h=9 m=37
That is h=5 m=26
